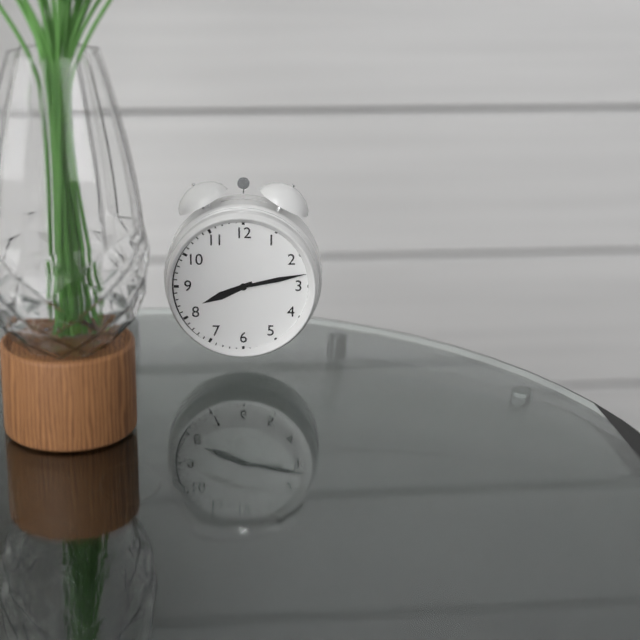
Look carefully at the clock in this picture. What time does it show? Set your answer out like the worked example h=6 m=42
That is h=8 m=13
